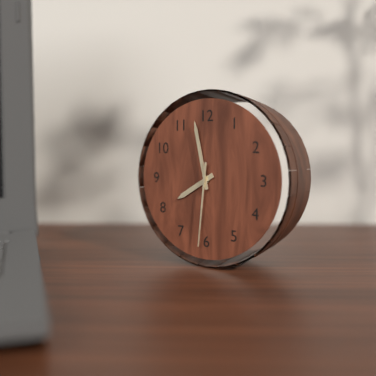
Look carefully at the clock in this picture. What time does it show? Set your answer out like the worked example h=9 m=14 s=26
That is h=7 m=58 s=31
